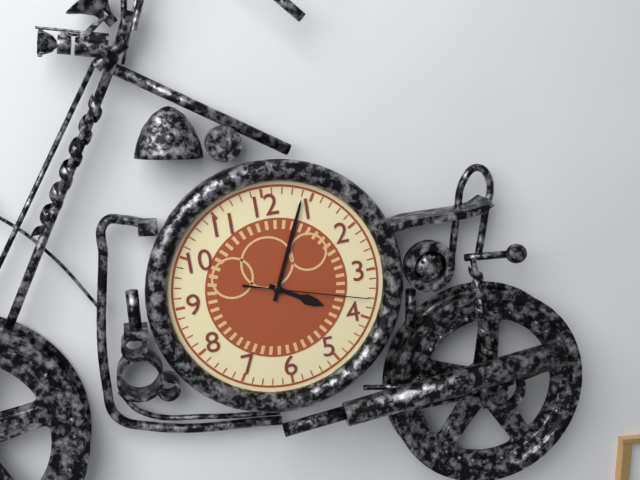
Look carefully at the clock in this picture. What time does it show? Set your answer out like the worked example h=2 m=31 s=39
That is h=4 m=4 s=18
